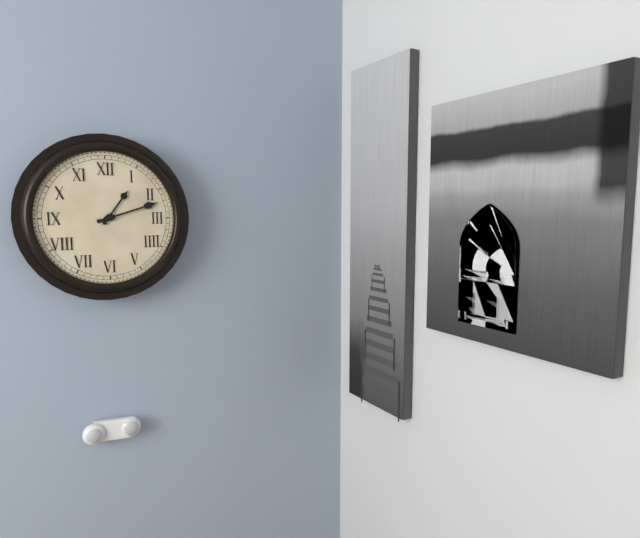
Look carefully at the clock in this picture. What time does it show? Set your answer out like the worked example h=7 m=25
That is h=1 m=12
